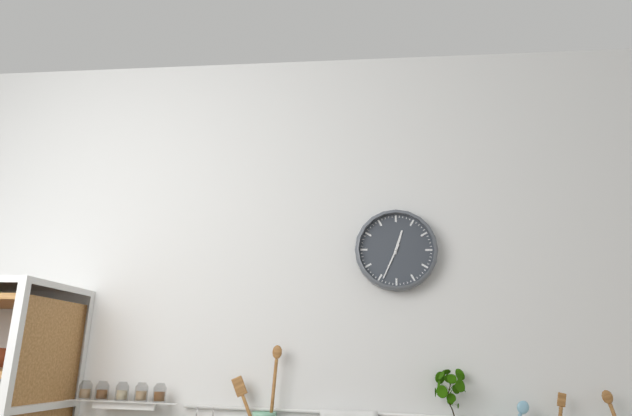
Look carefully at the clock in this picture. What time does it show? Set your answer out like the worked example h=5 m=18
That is h=12 m=34
